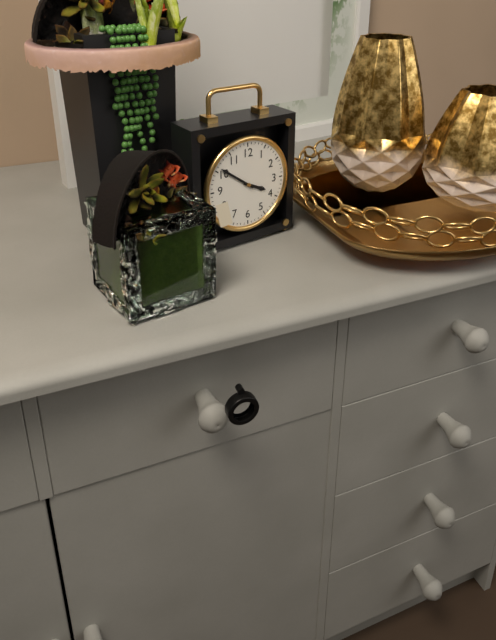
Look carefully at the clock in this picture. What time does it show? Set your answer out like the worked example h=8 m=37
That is h=3 m=51
